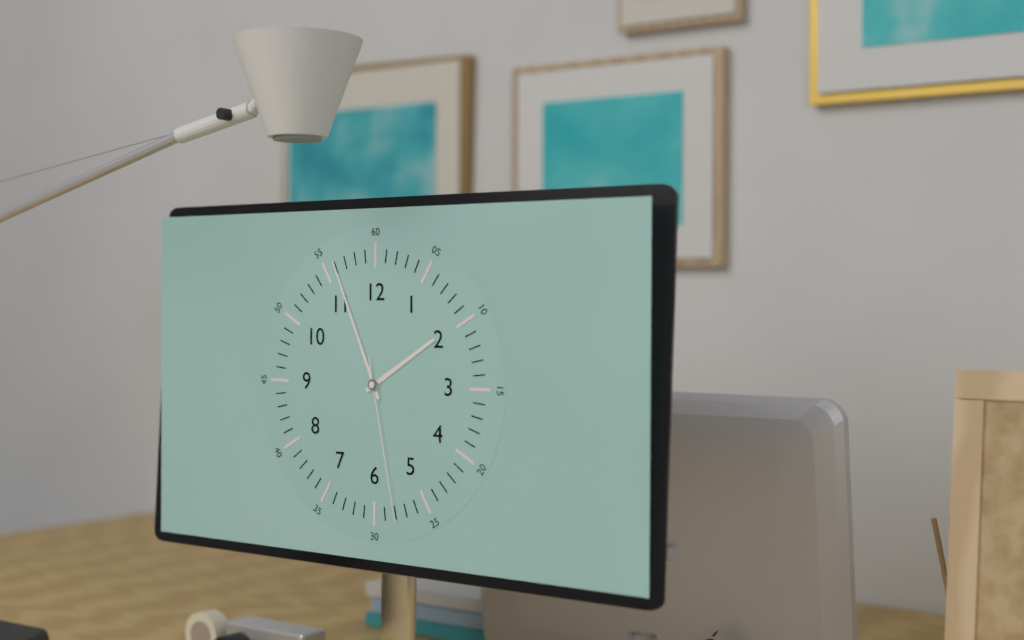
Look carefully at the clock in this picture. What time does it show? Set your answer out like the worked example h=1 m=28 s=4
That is h=1 m=56 s=28
